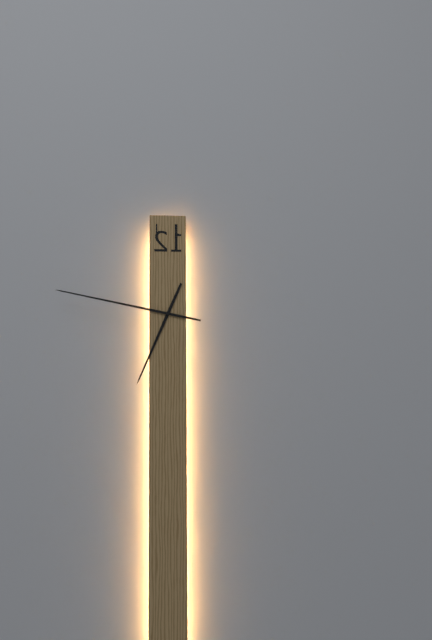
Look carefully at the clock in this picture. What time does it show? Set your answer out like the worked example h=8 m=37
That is h=6 m=47
